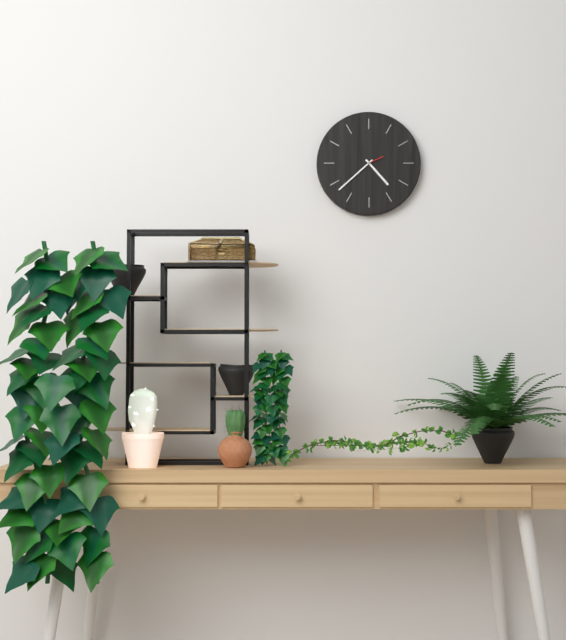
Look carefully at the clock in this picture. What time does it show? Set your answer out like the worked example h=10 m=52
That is h=4 m=38
